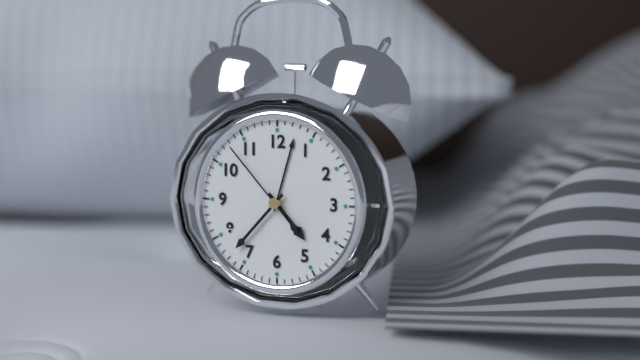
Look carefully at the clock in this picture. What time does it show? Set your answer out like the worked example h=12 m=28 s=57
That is h=4 m=37 s=53
